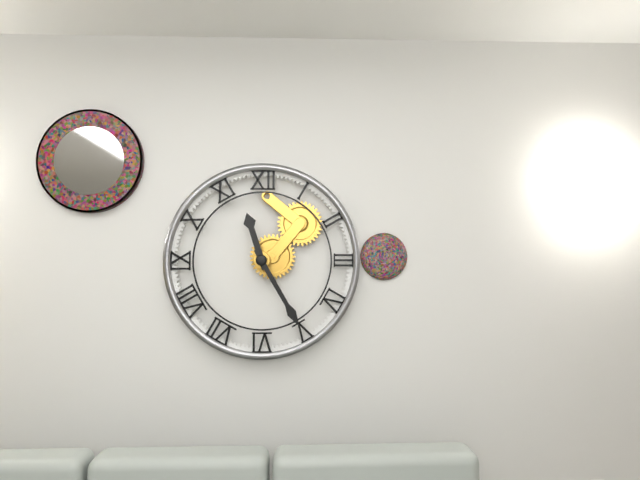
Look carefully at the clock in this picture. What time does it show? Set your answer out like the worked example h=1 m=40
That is h=11 m=25
